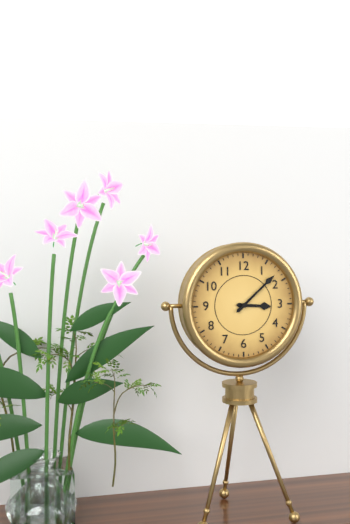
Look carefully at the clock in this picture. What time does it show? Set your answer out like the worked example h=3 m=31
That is h=3 m=8
